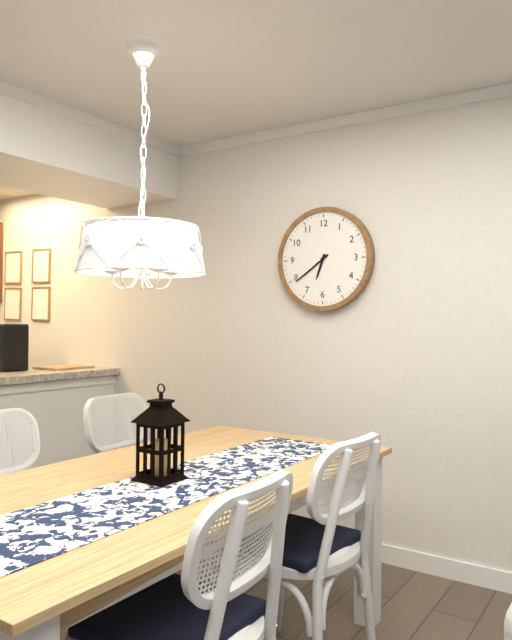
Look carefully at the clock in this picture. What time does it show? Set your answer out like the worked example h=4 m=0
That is h=6 m=39
